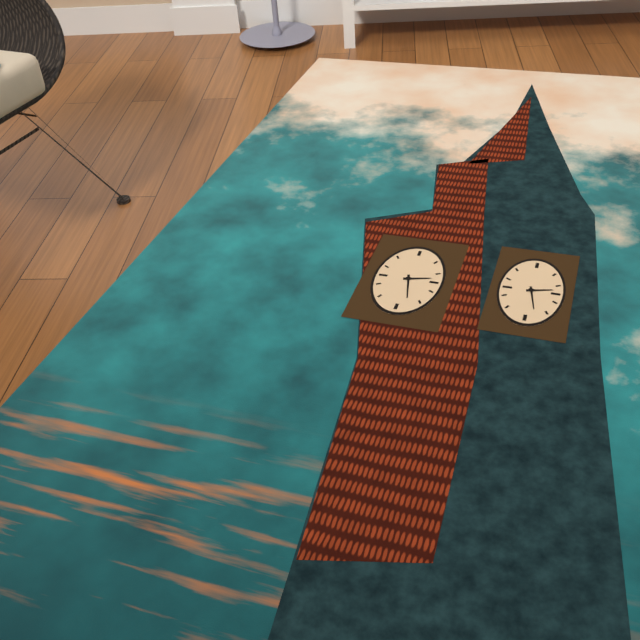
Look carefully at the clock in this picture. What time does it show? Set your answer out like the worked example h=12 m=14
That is h=2 m=28
